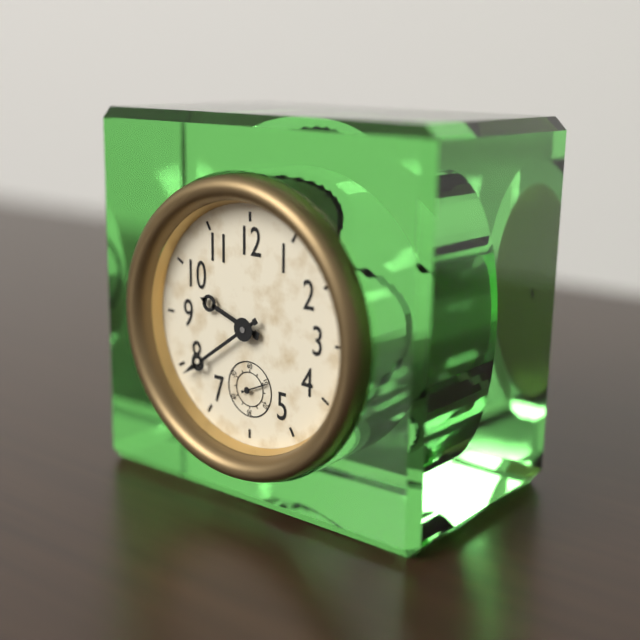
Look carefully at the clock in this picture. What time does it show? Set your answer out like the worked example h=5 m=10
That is h=9 m=39
